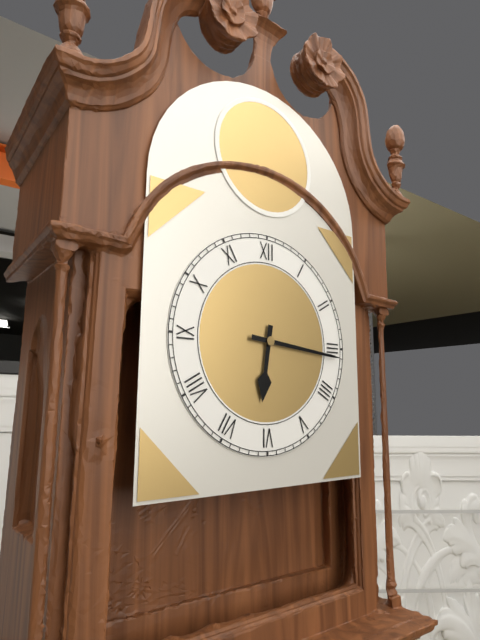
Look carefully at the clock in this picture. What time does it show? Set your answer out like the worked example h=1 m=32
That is h=6 m=16
